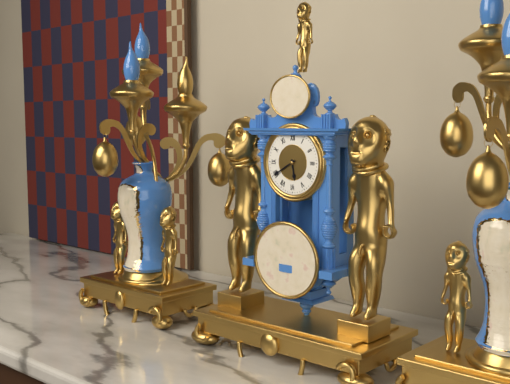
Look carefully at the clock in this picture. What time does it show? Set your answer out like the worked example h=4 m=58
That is h=5 m=40
